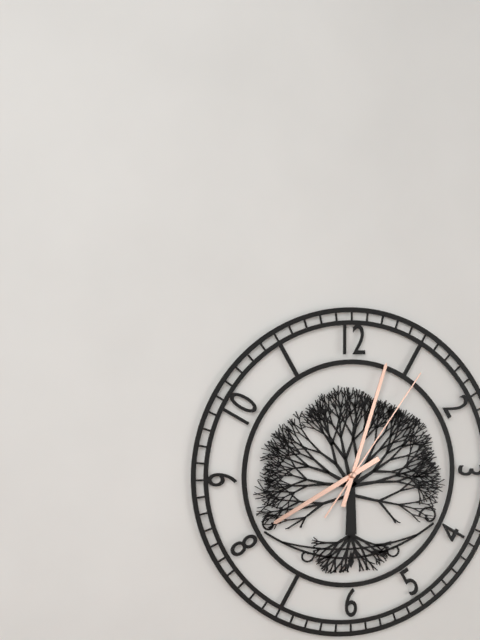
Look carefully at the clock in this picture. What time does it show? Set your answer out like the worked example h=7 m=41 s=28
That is h=8 m=3 s=6
